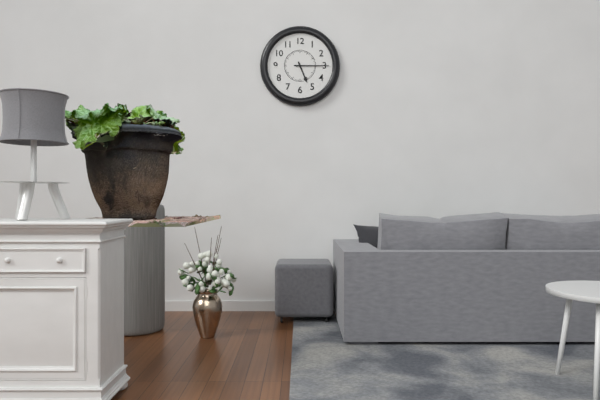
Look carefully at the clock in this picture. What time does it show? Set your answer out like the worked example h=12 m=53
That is h=5 m=15
